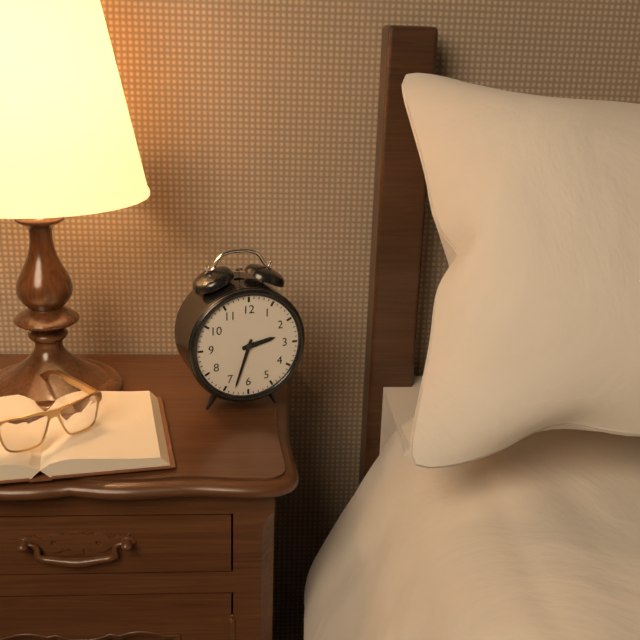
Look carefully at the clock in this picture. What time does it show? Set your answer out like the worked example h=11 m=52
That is h=2 m=33
